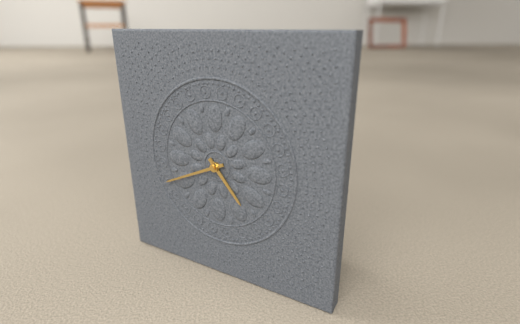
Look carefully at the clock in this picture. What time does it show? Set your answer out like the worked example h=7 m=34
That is h=4 m=41
